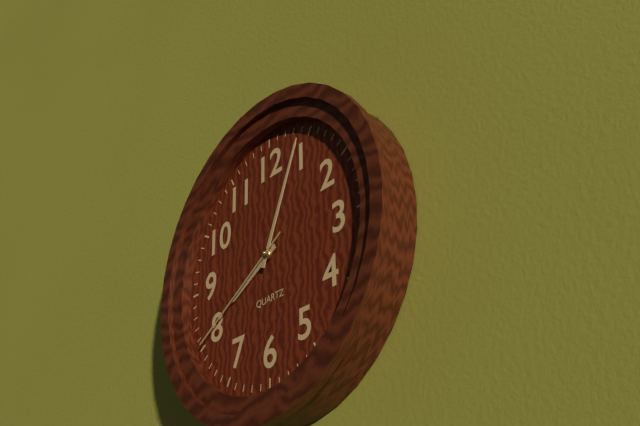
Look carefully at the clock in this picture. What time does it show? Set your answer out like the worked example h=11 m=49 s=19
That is h=8 m=4 s=40
